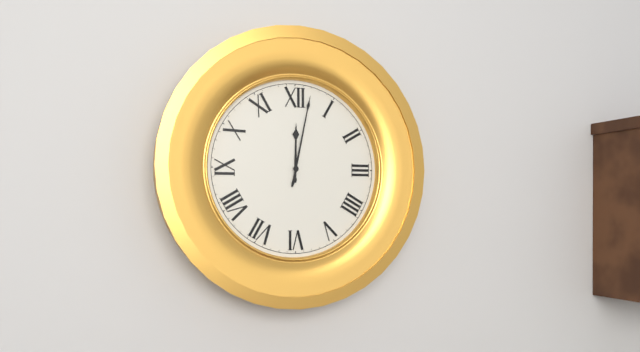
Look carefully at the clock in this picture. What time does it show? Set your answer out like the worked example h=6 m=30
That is h=12 m=2
